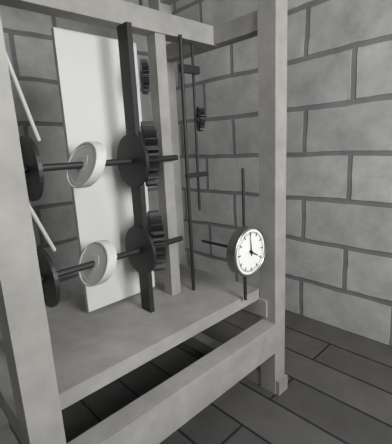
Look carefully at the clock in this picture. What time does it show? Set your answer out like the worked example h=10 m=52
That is h=3 m=59
